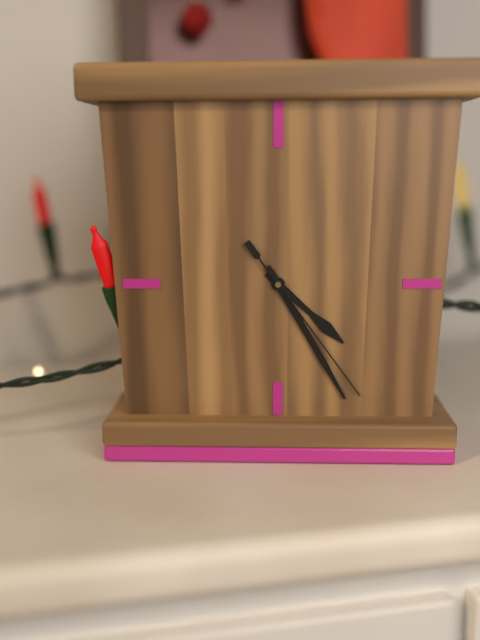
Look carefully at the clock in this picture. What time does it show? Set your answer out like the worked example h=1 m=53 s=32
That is h=4 m=25 s=24
